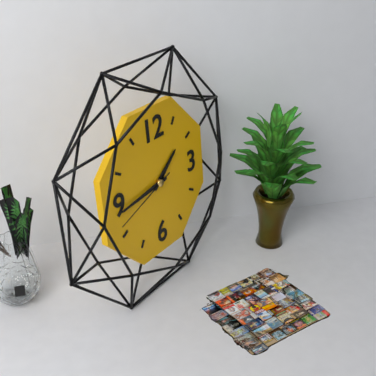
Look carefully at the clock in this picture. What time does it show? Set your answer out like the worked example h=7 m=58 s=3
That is h=1 m=44 s=42
